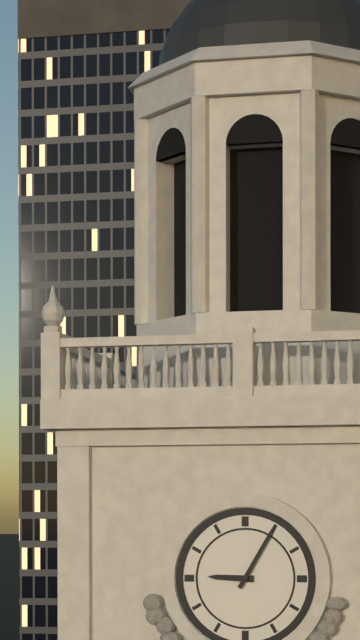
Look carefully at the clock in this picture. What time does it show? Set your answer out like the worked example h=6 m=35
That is h=9 m=5
